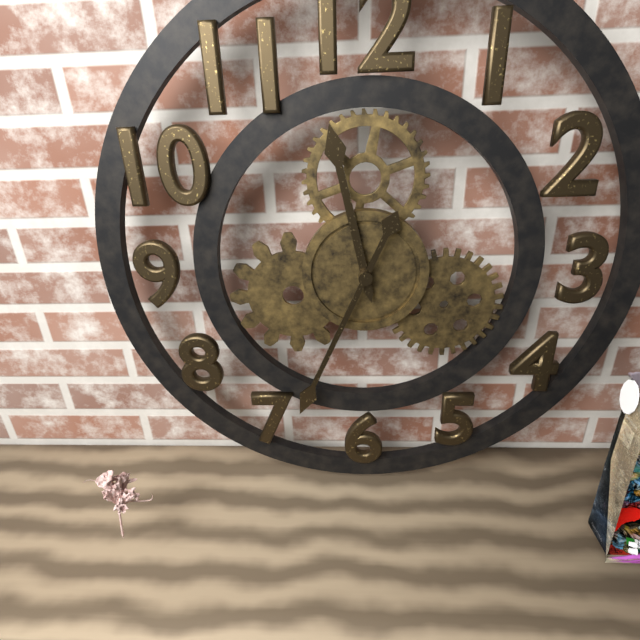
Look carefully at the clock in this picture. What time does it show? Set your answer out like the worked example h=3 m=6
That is h=11 m=34
